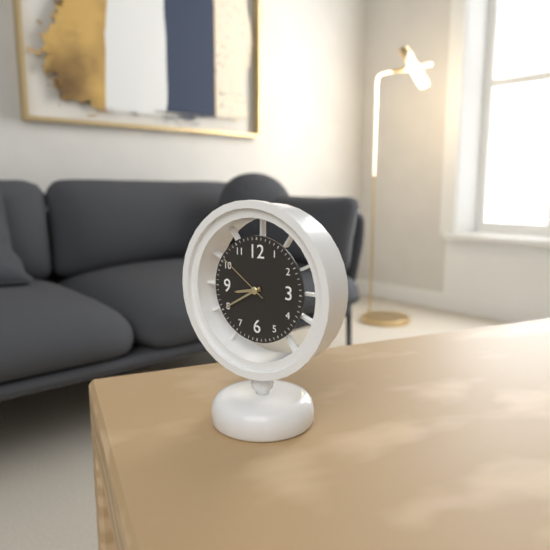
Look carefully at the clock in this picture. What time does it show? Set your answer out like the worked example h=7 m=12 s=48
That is h=8 m=40 s=51
